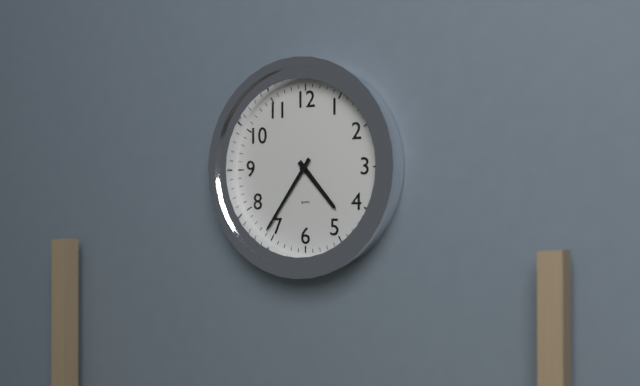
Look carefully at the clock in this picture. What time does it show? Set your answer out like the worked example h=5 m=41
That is h=4 m=36
